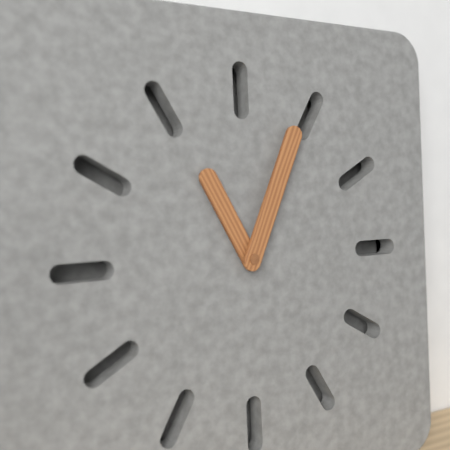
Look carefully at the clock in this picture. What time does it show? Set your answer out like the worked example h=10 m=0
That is h=11 m=4
